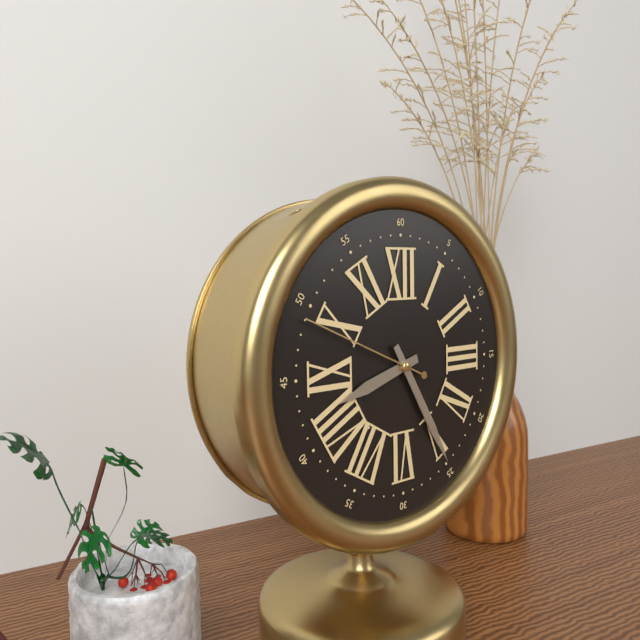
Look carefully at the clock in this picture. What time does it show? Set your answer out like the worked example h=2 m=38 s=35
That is h=8 m=25 s=49
